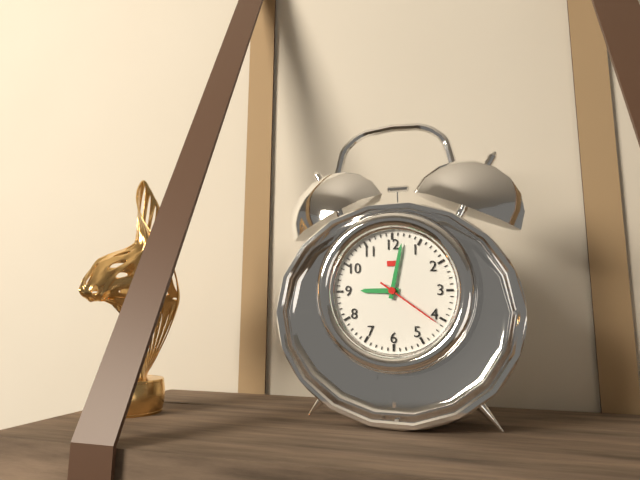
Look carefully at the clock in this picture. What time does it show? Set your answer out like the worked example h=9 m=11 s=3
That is h=9 m=2 s=21
